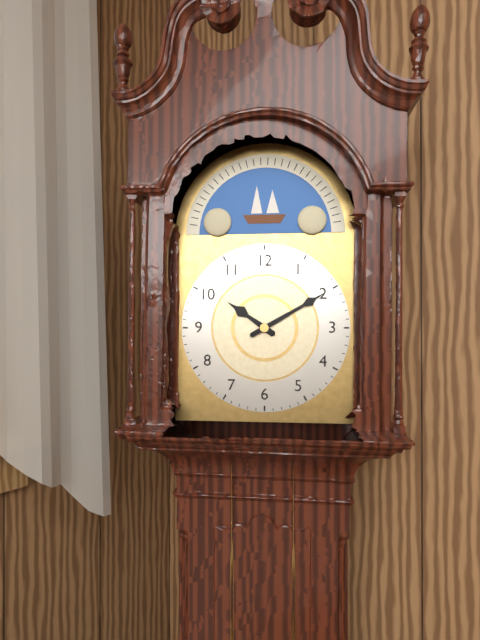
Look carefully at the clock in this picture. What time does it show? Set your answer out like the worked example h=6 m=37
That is h=10 m=10
